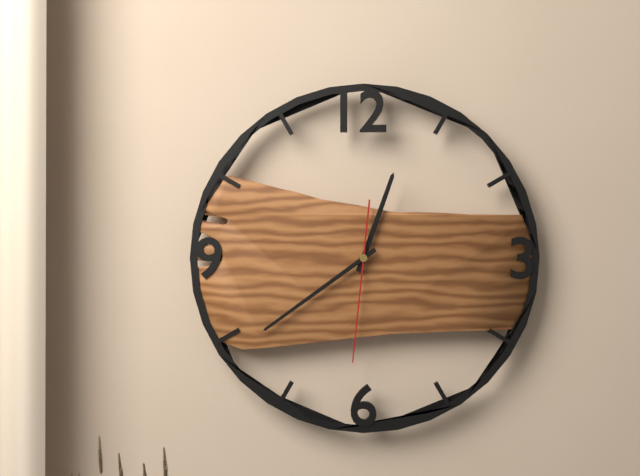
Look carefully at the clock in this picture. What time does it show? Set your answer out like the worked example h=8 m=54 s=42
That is h=12 m=39 s=31
